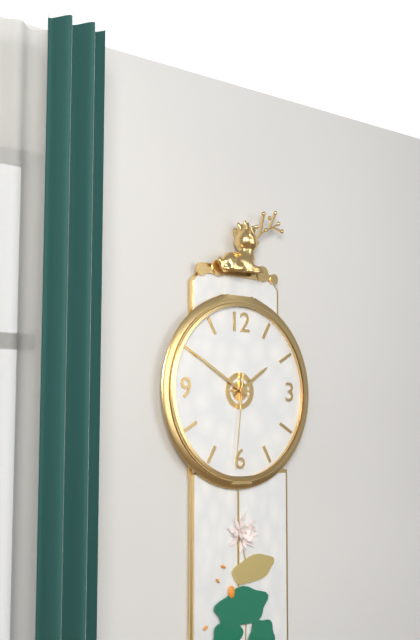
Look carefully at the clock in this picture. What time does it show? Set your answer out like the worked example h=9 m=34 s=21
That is h=1 m=50 s=31
